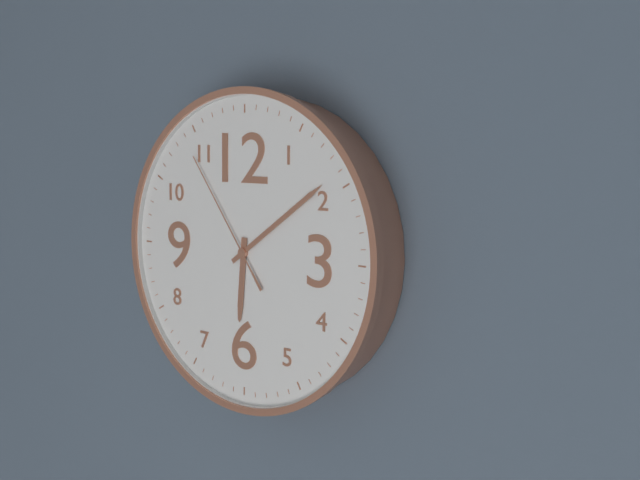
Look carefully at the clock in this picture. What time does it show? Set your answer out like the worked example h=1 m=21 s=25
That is h=6 m=9 s=54
